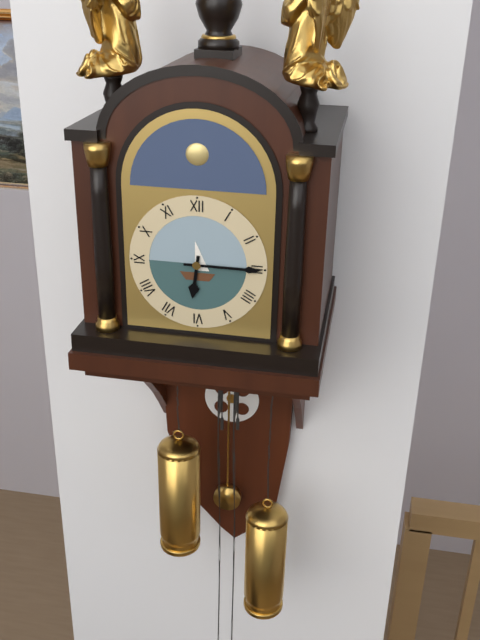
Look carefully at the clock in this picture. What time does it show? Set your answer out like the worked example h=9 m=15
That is h=6 m=15
